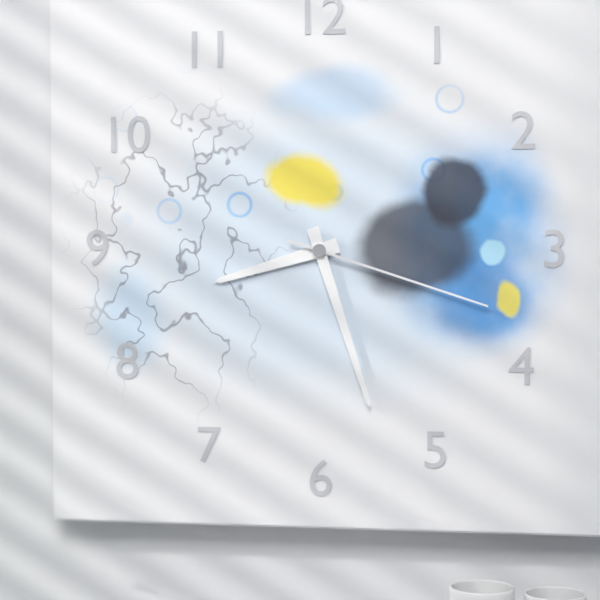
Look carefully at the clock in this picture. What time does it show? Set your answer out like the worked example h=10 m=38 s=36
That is h=8 m=27 s=18
